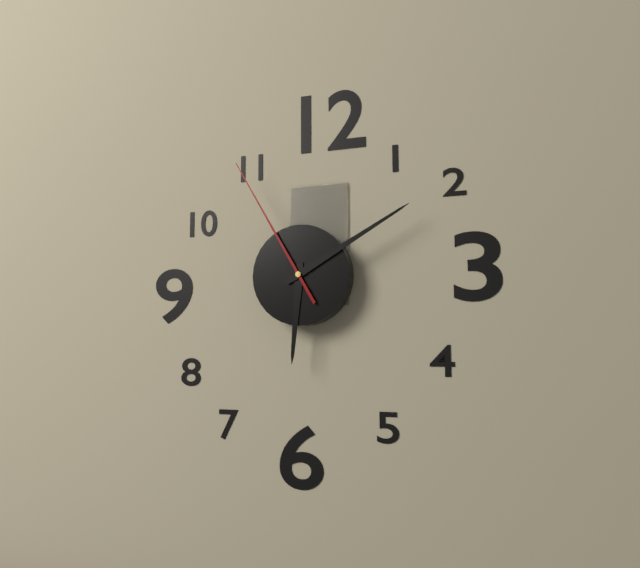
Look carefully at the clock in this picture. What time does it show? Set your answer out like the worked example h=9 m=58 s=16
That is h=6 m=10 s=55
